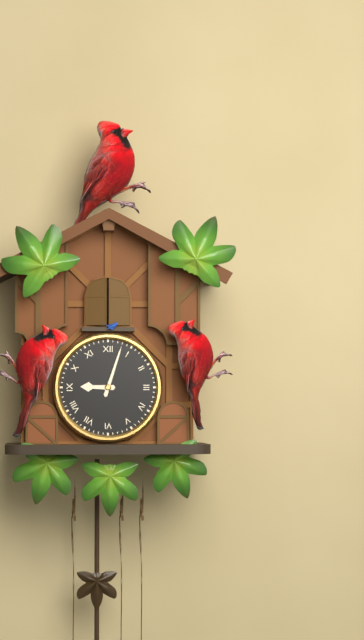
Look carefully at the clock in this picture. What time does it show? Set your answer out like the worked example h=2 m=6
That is h=9 m=3
